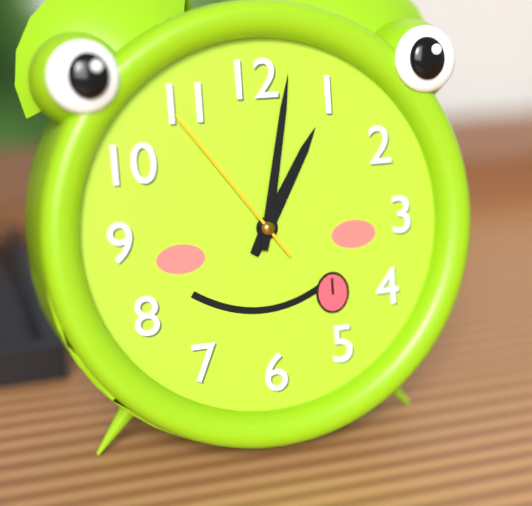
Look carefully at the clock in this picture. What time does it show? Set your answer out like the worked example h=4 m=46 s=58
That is h=1 m=2 s=54
